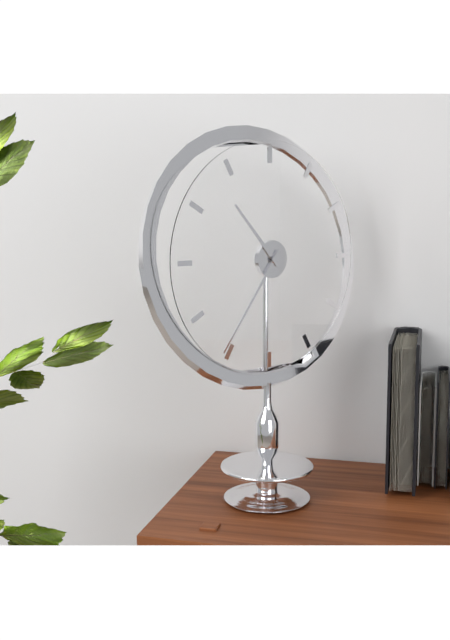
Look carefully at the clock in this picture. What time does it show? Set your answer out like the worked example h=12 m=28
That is h=10 m=36
